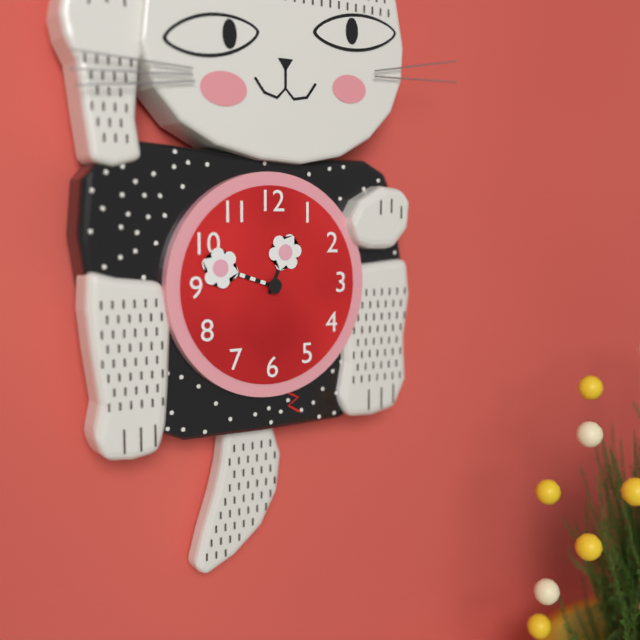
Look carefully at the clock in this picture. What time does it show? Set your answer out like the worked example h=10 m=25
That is h=12 m=48
